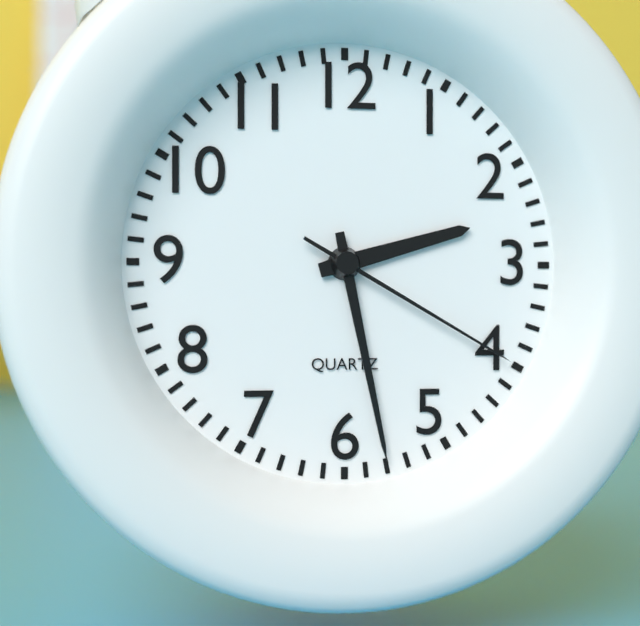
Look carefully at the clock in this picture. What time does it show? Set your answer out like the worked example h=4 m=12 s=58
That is h=2 m=28 s=20
